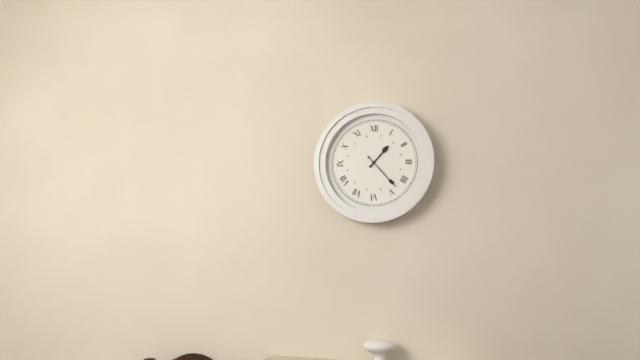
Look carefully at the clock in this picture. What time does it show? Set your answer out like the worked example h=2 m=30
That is h=1 m=23
